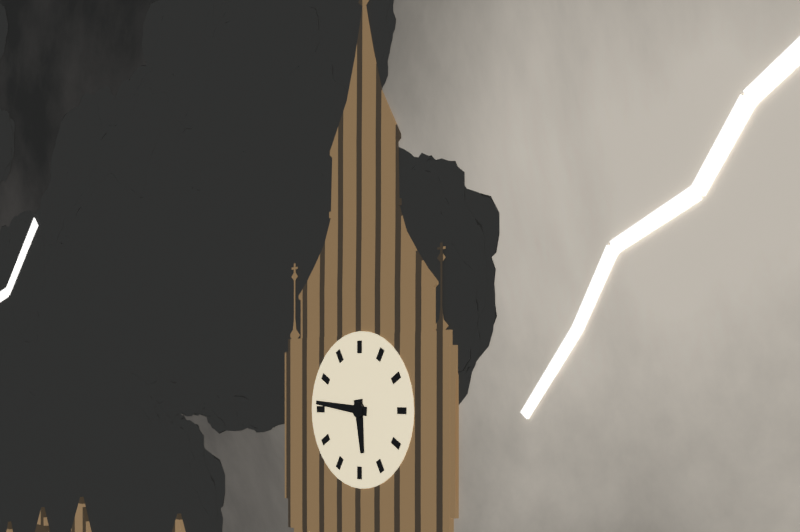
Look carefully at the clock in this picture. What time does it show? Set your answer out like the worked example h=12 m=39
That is h=5 m=46
